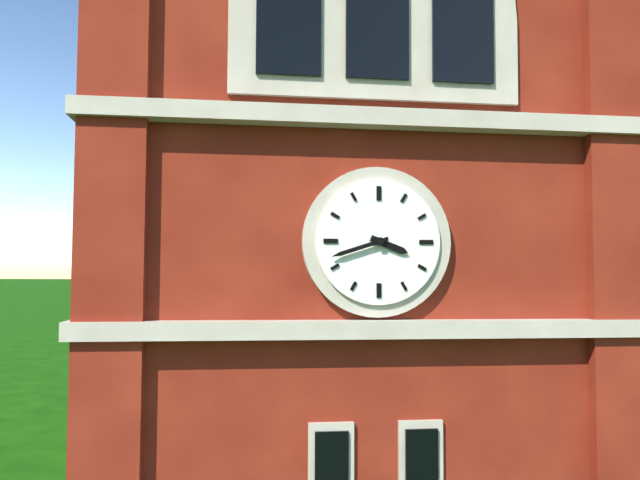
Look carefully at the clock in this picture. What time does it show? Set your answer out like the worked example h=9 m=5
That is h=3 m=42
